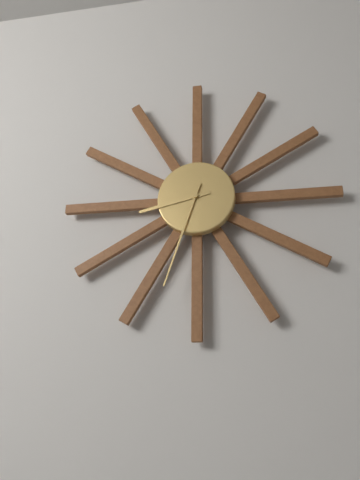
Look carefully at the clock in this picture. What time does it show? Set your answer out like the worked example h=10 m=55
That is h=8 m=33
